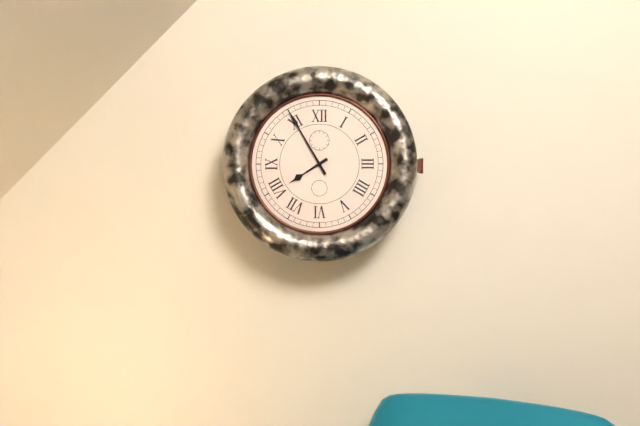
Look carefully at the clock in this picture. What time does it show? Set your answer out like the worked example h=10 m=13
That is h=7 m=55
